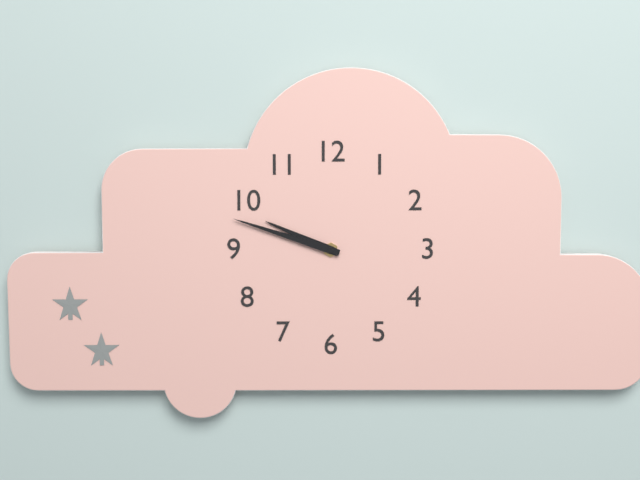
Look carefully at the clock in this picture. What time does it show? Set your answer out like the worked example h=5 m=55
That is h=9 m=48
